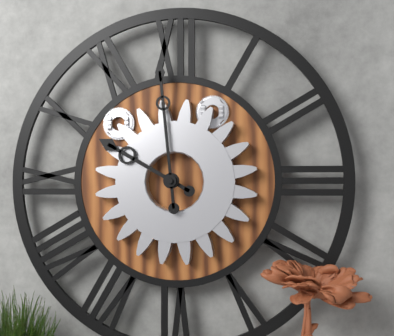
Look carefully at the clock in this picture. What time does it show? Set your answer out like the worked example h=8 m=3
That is h=9 m=59
